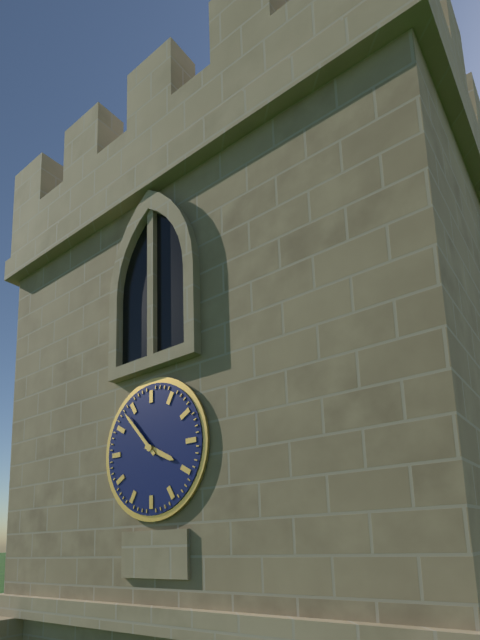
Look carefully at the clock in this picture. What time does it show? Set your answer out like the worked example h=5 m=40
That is h=3 m=53
